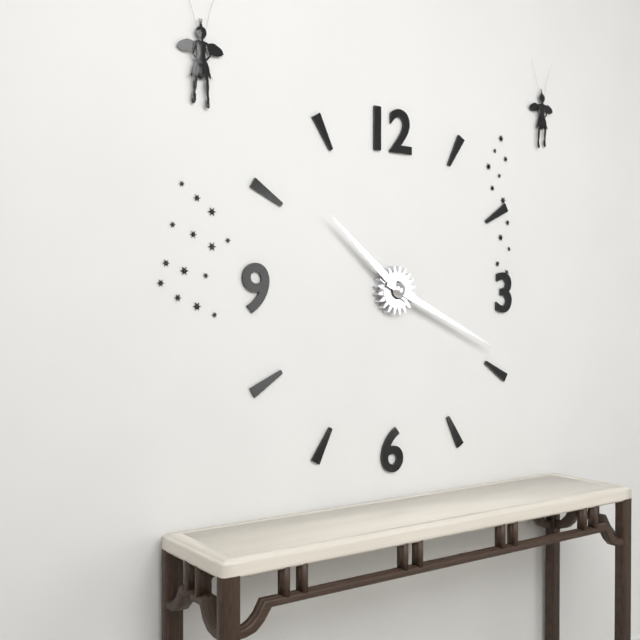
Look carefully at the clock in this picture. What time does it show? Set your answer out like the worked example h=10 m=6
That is h=10 m=19
